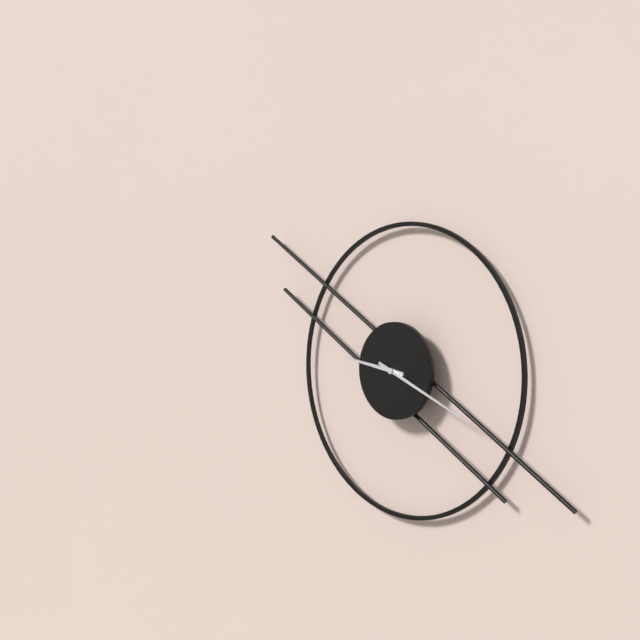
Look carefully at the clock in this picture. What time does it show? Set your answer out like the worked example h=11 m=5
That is h=9 m=19
